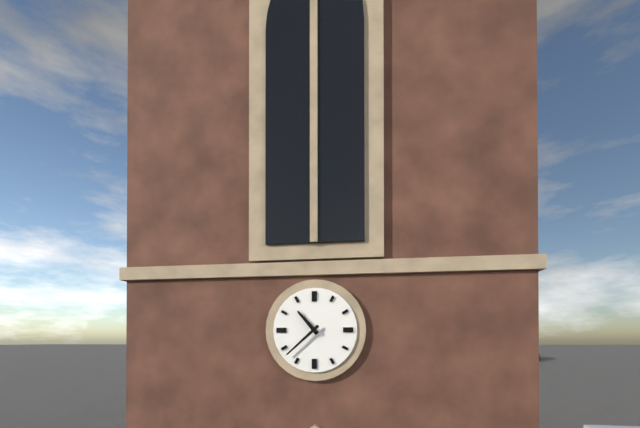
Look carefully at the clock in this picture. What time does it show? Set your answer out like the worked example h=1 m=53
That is h=10 m=38
